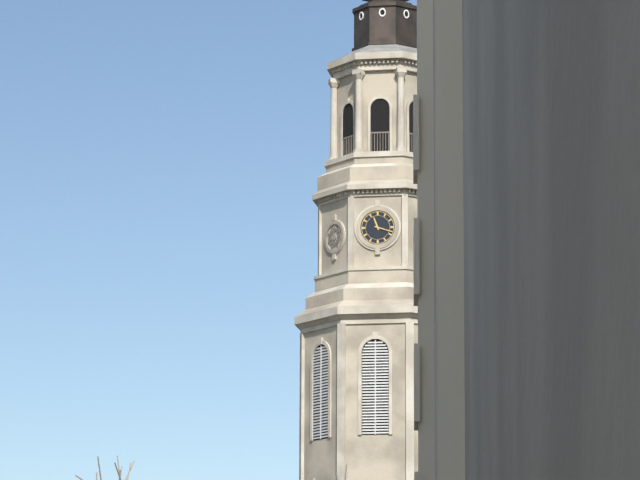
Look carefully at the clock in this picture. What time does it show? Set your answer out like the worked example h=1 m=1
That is h=11 m=18
